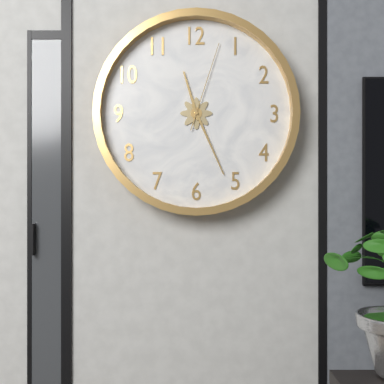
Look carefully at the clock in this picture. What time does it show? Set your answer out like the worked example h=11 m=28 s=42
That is h=11 m=26 s=3
